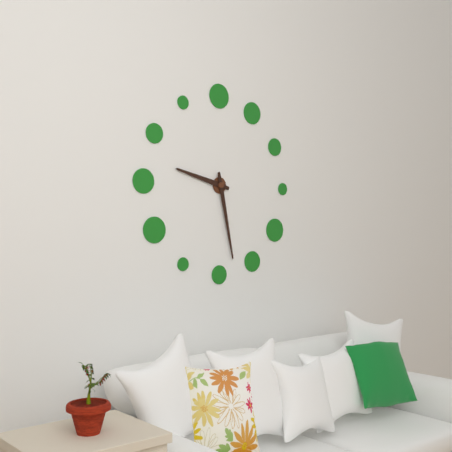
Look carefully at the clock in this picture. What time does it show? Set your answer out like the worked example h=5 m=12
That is h=9 m=28
